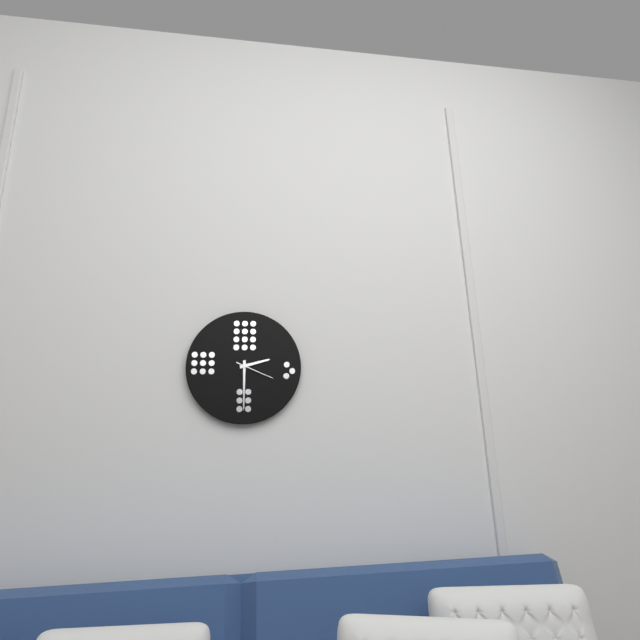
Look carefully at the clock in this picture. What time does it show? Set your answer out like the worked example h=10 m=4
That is h=2 m=30
